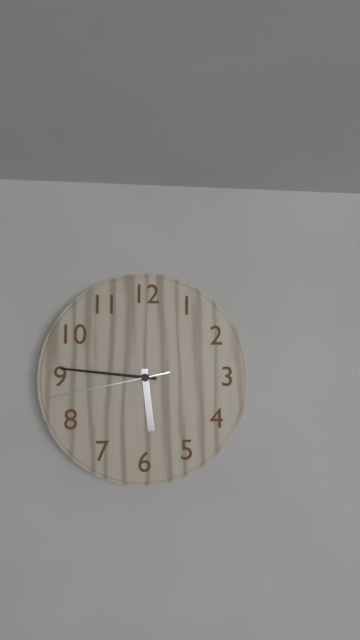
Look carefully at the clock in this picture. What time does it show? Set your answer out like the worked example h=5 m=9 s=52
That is h=5 m=46 s=43
